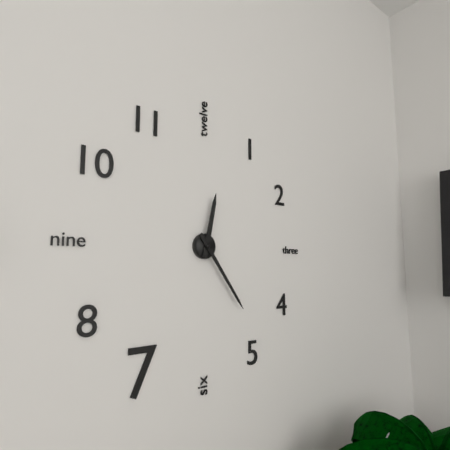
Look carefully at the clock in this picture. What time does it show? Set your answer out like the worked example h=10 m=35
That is h=12 m=24
